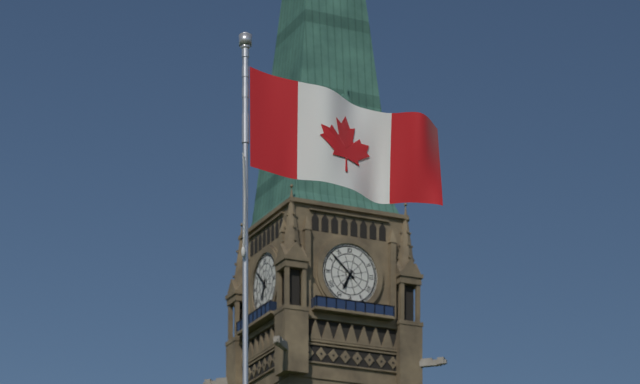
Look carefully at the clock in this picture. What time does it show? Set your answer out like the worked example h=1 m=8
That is h=6 m=52
